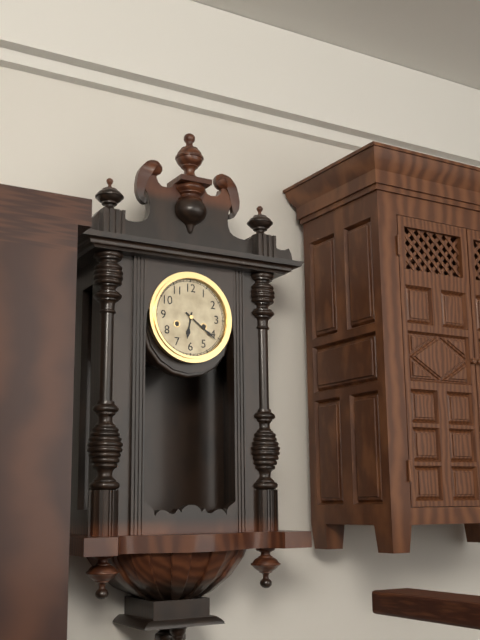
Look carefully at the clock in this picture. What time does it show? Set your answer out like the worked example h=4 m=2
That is h=6 m=21
